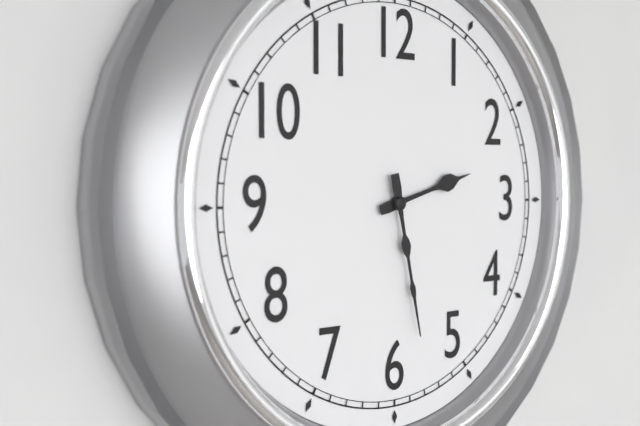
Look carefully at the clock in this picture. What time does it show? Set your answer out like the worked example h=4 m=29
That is h=2 m=28
